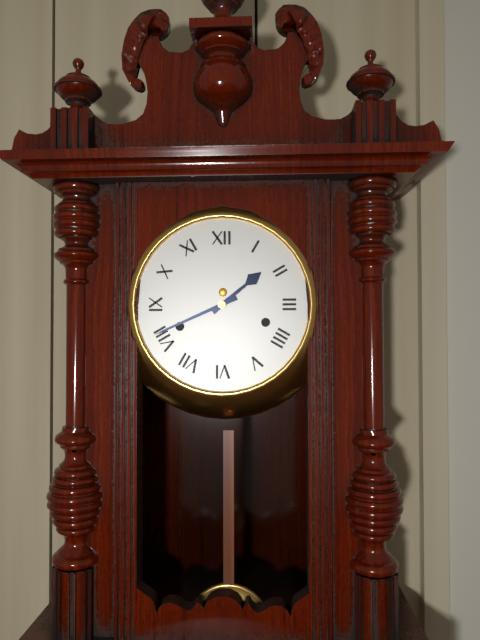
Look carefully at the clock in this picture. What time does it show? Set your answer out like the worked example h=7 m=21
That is h=1 m=41
